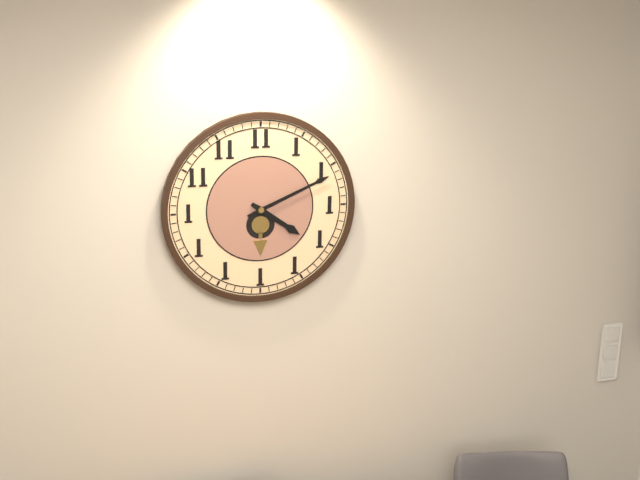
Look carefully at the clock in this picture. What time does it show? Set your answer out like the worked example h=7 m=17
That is h=4 m=11
